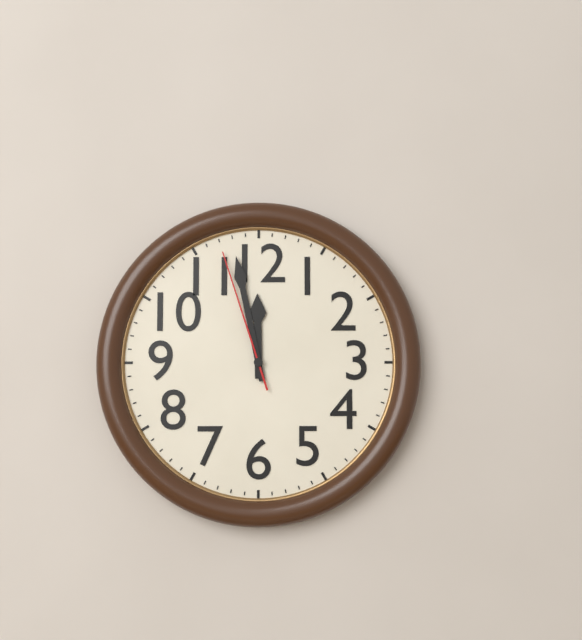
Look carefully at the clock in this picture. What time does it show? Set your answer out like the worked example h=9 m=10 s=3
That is h=11 m=58 s=57
